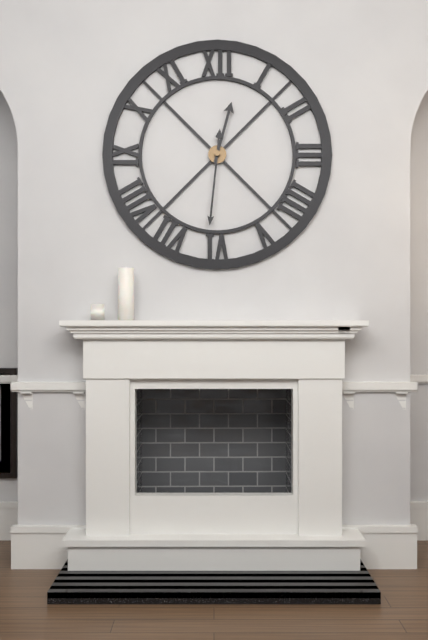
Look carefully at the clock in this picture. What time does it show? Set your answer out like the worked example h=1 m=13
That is h=12 m=31
